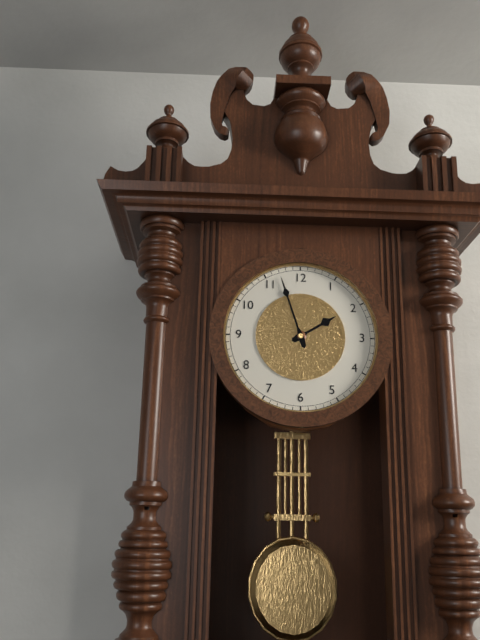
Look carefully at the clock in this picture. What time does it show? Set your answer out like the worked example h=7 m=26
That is h=1 m=57
